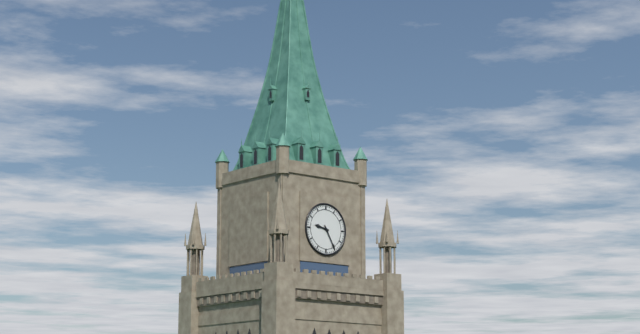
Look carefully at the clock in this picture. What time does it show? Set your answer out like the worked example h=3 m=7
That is h=9 m=25
